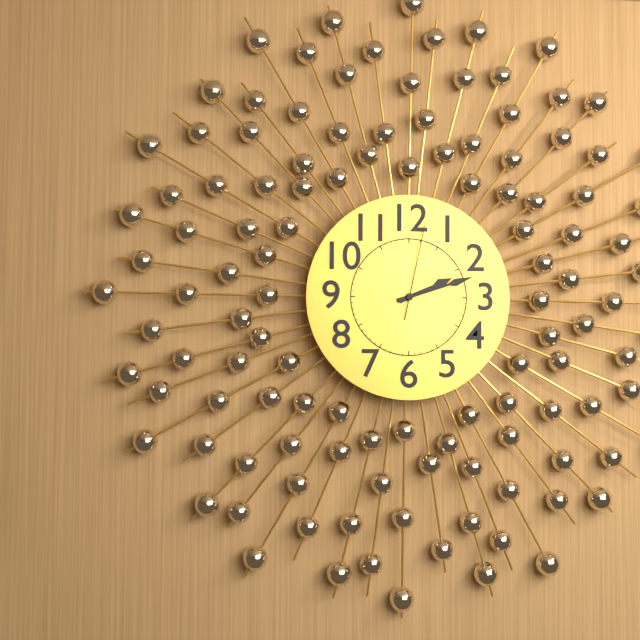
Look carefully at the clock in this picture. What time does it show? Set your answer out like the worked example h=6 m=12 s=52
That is h=2 m=12 s=2
